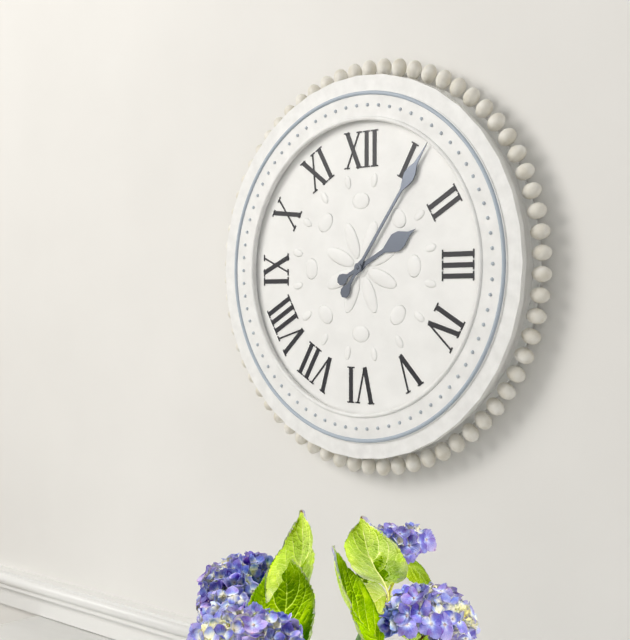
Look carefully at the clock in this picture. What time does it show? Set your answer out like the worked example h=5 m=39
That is h=2 m=6
